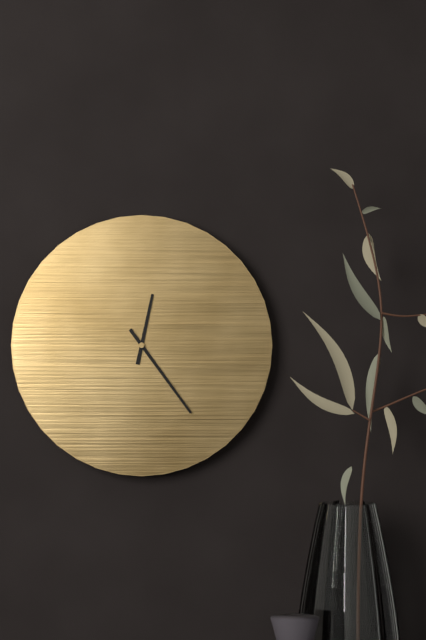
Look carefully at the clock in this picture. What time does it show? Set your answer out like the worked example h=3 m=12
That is h=12 m=24
